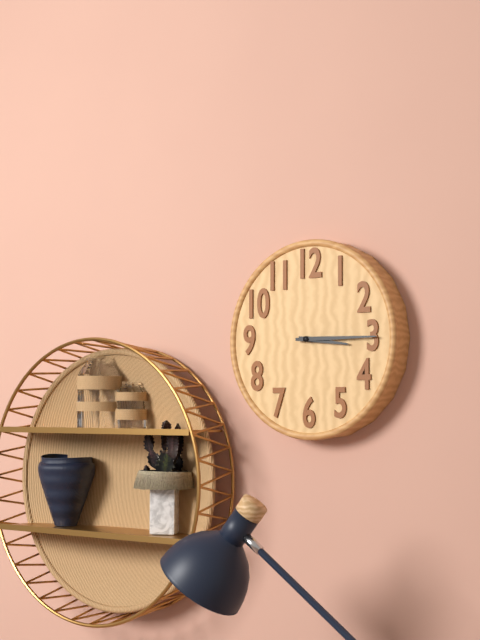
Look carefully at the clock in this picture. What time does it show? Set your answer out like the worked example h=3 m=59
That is h=3 m=15
